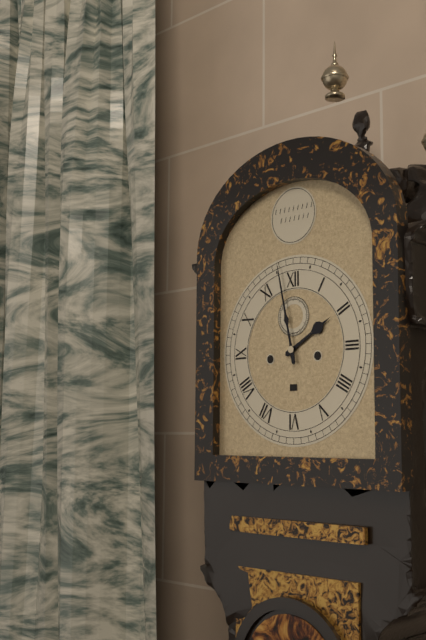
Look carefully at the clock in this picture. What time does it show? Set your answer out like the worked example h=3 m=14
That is h=1 m=58
